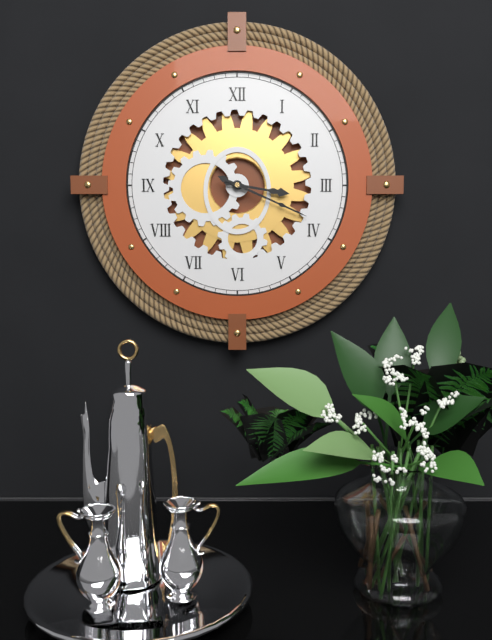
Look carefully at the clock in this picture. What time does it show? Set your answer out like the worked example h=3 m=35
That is h=3 m=19
